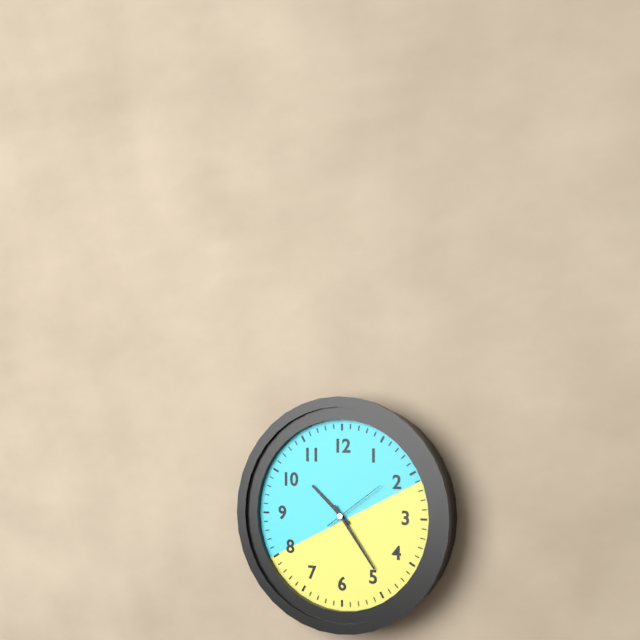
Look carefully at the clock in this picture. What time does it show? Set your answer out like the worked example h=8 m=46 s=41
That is h=10 m=24 s=9
